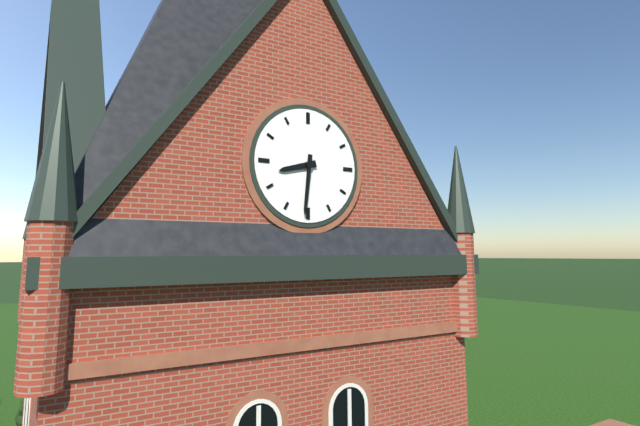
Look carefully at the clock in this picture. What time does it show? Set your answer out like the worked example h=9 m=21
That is h=8 m=31
